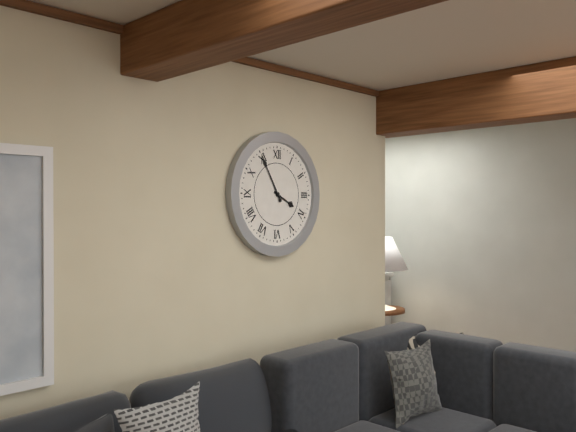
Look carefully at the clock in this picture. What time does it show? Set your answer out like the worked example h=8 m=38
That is h=3 m=55
